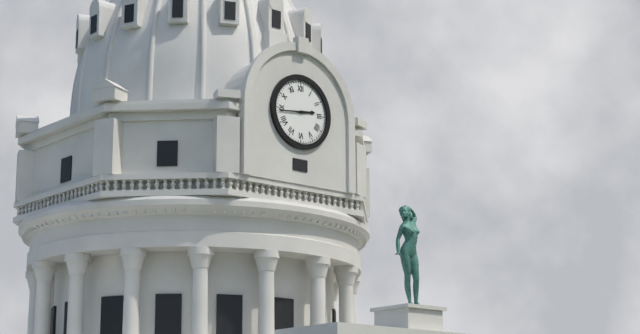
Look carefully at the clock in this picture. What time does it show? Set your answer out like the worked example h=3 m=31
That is h=2 m=44
